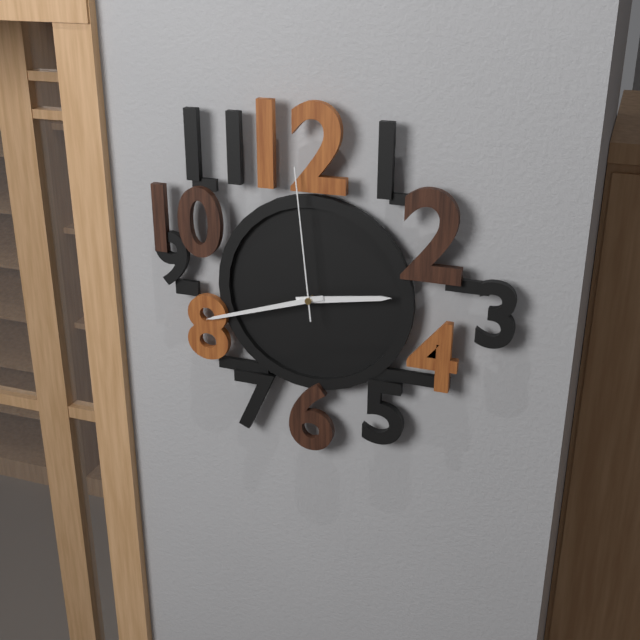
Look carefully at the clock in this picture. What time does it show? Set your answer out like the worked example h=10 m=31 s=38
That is h=2 m=42 s=59
